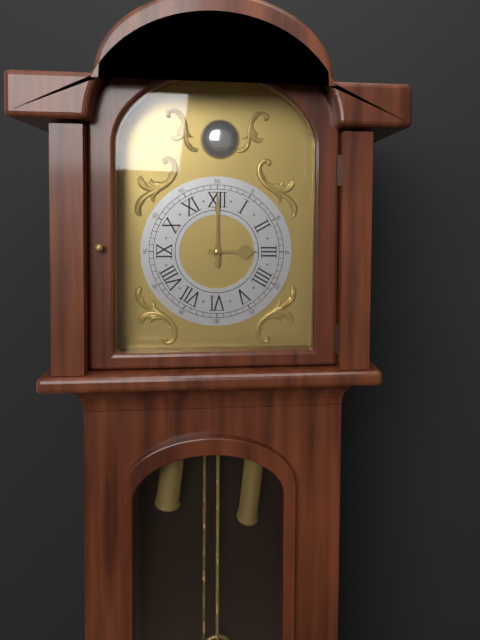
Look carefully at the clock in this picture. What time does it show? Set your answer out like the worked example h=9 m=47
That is h=3 m=0
